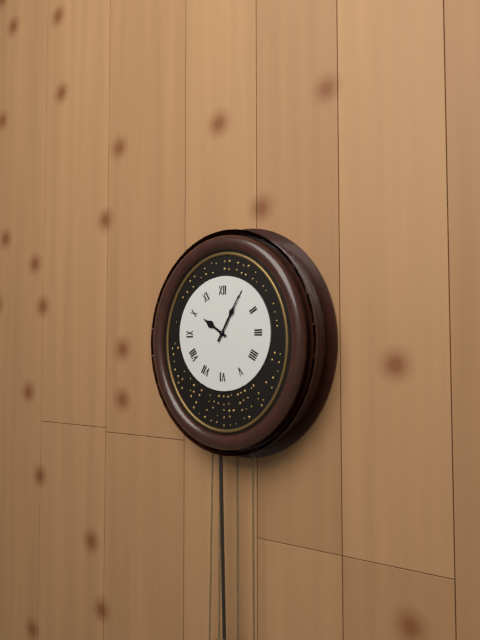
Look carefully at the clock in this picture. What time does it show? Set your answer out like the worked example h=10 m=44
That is h=10 m=5
